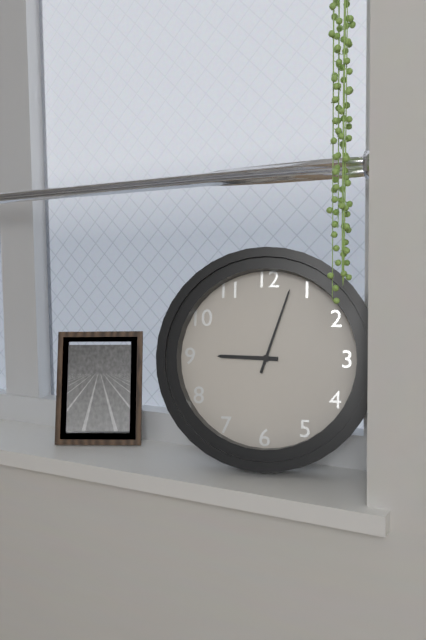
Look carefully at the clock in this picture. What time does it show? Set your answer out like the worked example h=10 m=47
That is h=9 m=3
